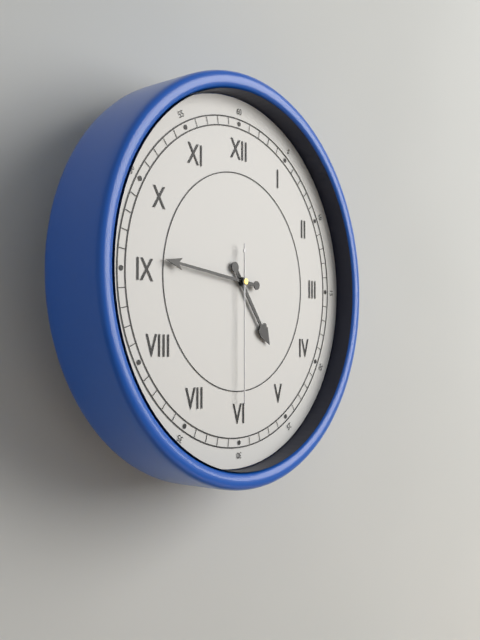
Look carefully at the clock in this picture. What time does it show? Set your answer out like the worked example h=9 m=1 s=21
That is h=4 m=46 s=30
